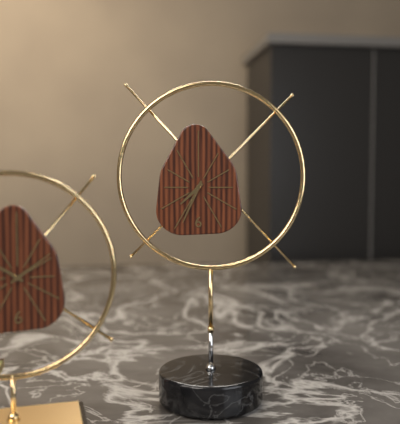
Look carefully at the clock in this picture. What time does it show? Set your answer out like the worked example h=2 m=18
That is h=7 m=34
